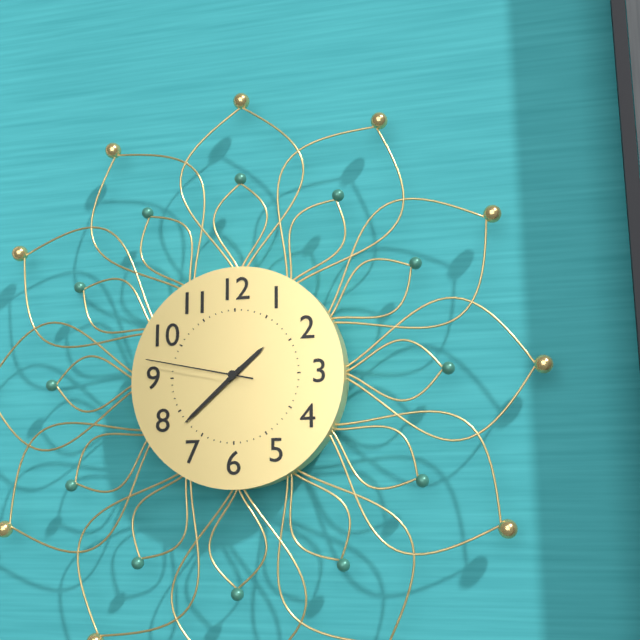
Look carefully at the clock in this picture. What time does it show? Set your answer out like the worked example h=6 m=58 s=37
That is h=1 m=38 s=47
